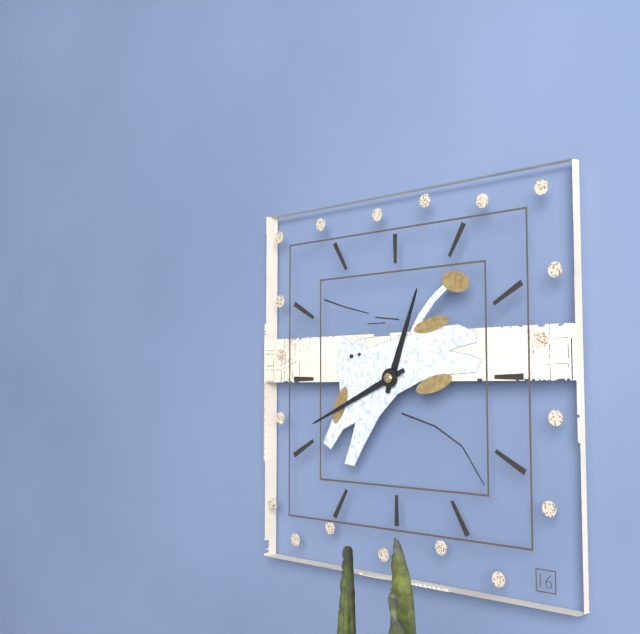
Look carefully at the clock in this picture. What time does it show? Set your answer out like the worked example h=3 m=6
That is h=12 m=41
